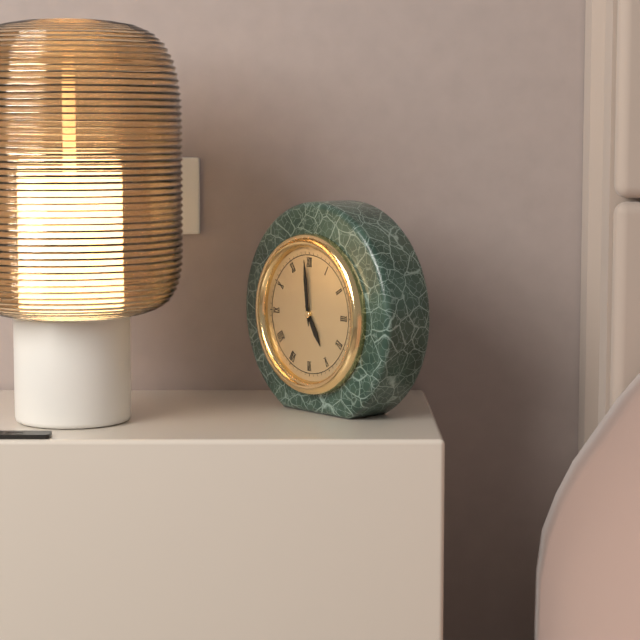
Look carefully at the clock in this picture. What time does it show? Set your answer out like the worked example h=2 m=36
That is h=4 m=59
